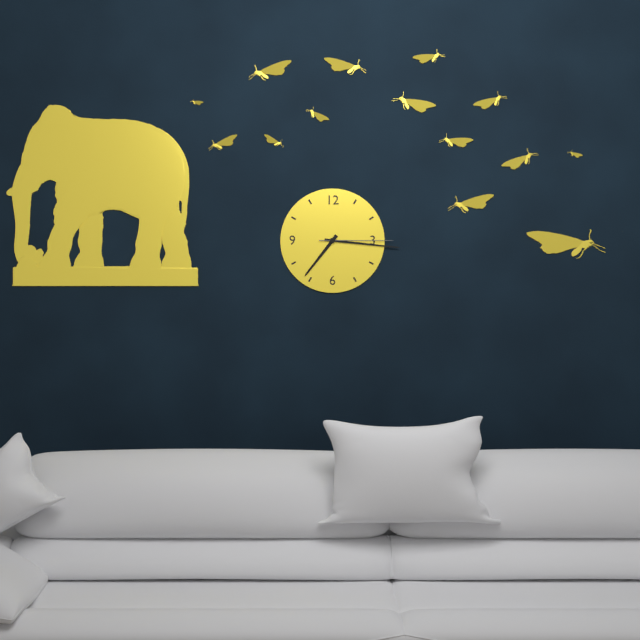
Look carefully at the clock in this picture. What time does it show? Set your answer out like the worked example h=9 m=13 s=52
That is h=7 m=16 s=15
